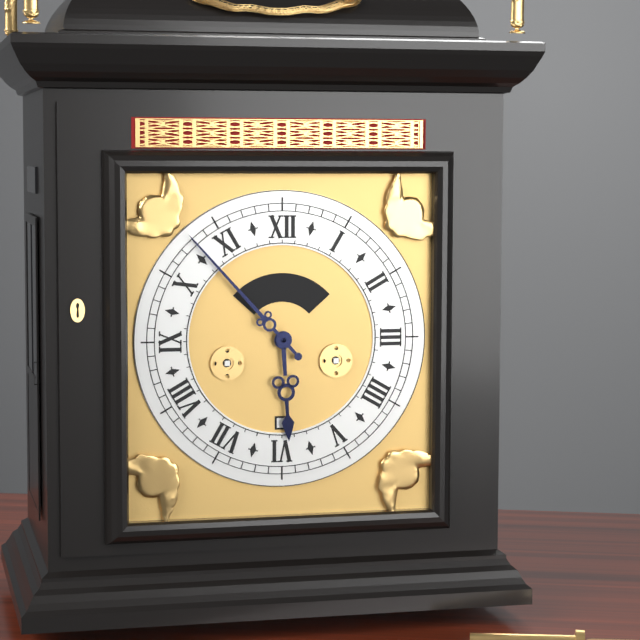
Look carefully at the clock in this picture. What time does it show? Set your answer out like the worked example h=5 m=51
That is h=5 m=53
